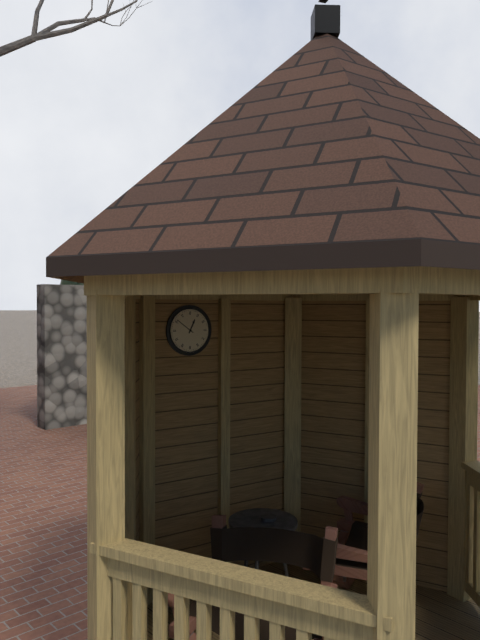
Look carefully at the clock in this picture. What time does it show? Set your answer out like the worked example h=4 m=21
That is h=12 m=51
